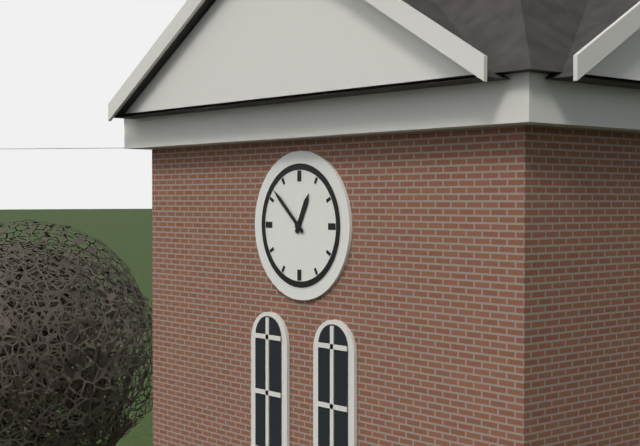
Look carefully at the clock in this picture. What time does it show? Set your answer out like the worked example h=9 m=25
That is h=12 m=52
